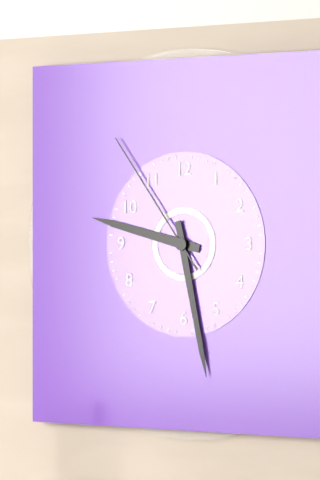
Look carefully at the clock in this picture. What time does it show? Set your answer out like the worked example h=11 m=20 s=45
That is h=9 m=28 s=54
